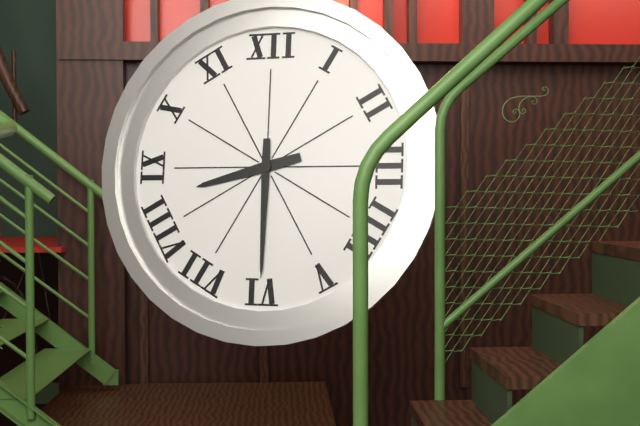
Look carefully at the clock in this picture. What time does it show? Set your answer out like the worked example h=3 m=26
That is h=8 m=30
